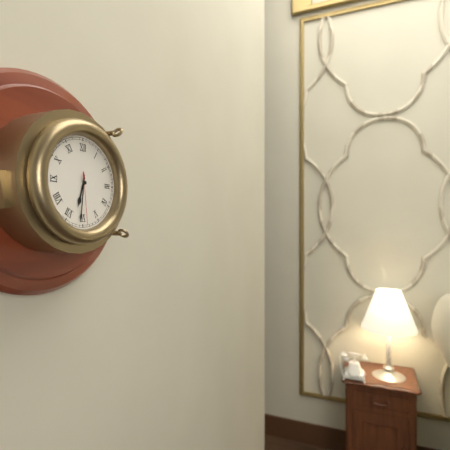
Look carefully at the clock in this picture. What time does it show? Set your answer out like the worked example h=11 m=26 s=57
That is h=6 m=31 s=29
